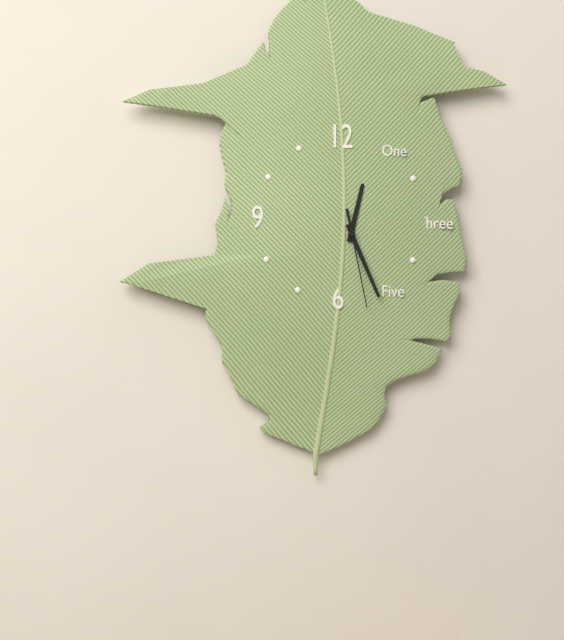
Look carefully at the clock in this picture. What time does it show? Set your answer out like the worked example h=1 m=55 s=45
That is h=12 m=26 s=28
